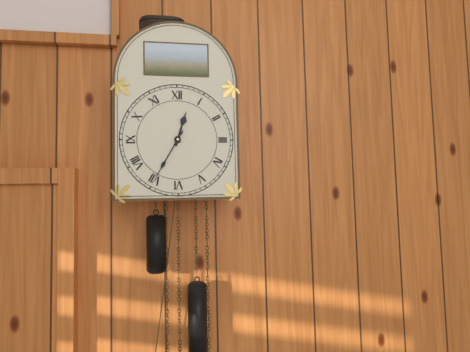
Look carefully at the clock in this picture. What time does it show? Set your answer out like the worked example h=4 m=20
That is h=12 m=35
